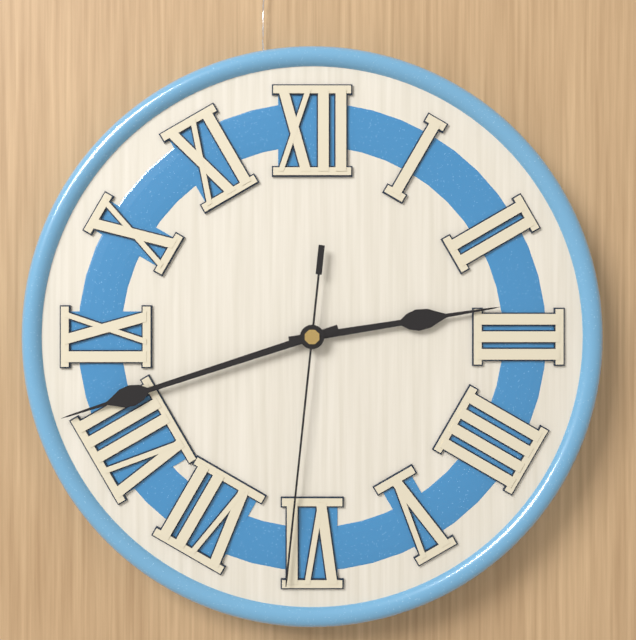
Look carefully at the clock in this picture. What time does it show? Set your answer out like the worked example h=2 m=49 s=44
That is h=2 m=42 s=31
